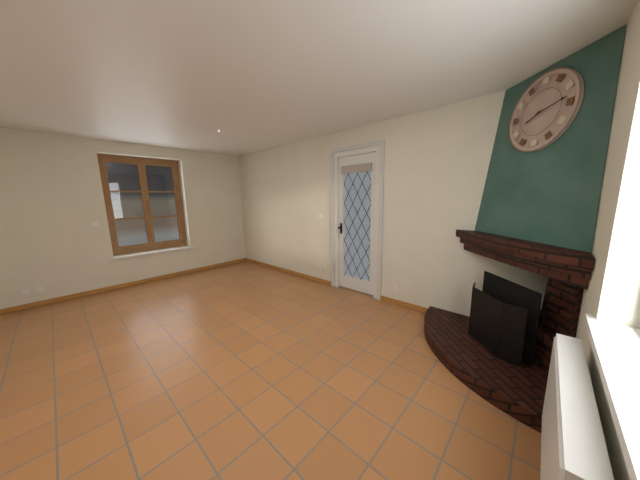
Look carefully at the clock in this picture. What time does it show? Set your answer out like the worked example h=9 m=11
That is h=8 m=13
